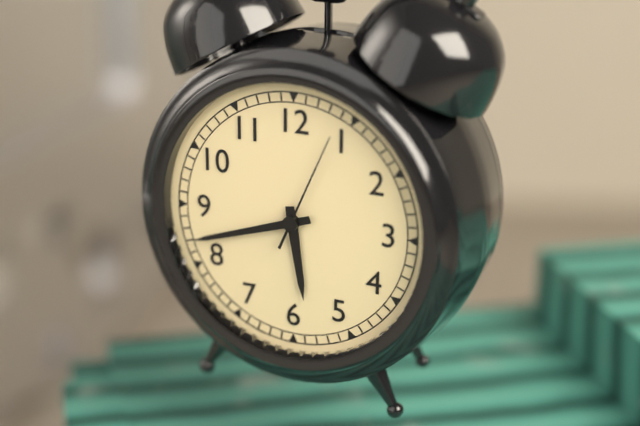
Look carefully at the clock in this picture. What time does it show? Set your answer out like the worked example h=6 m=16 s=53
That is h=5 m=42 s=4
